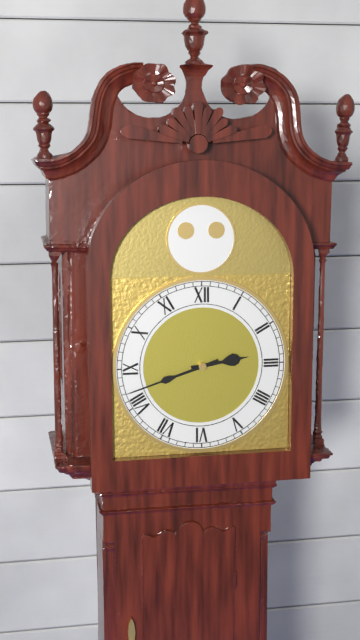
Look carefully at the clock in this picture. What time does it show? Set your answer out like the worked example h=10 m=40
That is h=2 m=42
